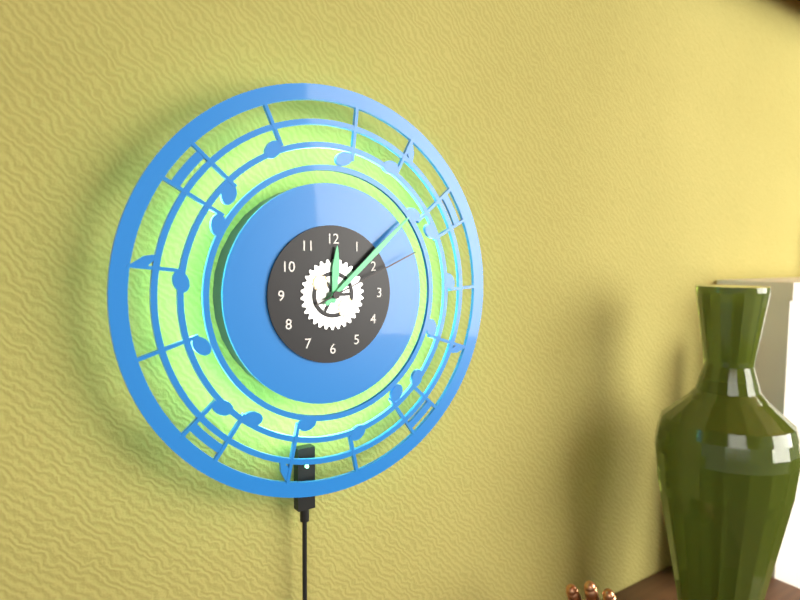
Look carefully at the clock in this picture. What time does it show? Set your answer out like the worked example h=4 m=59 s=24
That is h=12 m=8 s=11
